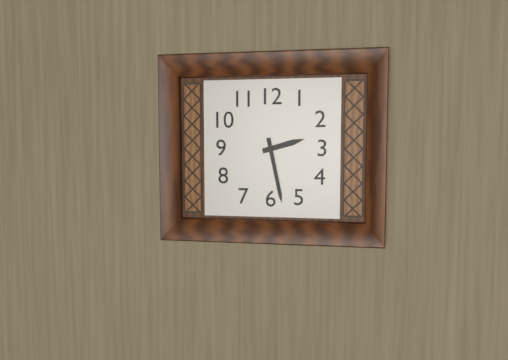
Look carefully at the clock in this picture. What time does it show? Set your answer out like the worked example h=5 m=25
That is h=2 m=28
